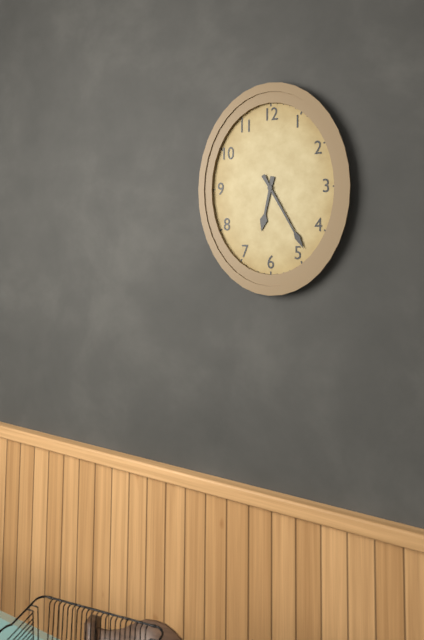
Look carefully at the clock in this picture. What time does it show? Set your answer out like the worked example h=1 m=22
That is h=6 m=25
